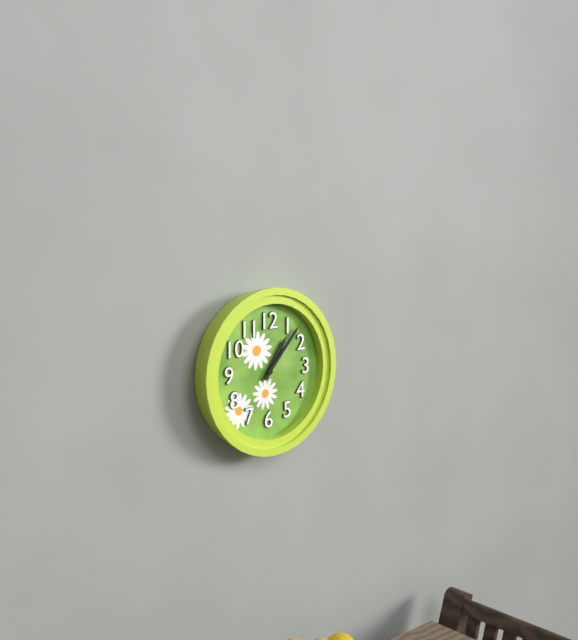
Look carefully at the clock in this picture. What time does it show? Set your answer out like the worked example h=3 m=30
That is h=1 m=7
